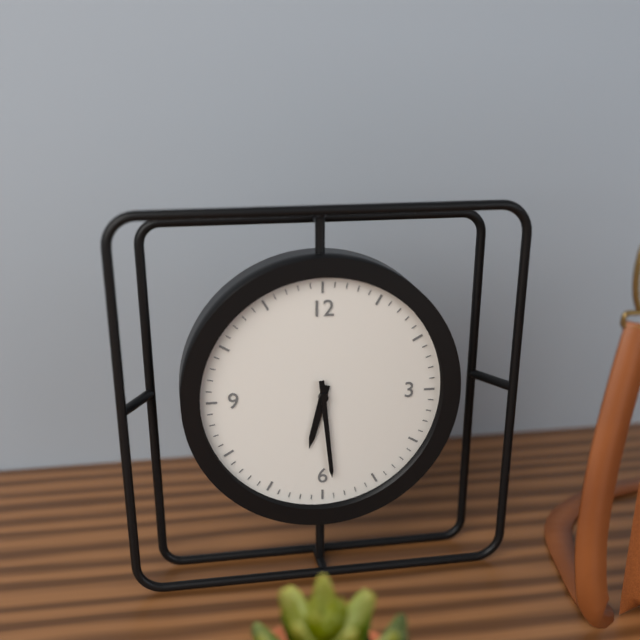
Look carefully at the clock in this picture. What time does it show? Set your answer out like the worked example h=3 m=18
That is h=6 m=29
